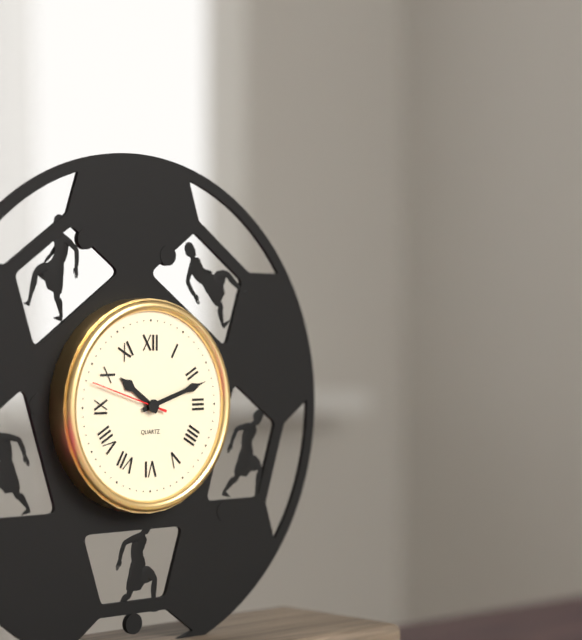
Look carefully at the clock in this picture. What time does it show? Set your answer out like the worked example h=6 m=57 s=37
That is h=10 m=12 s=48
